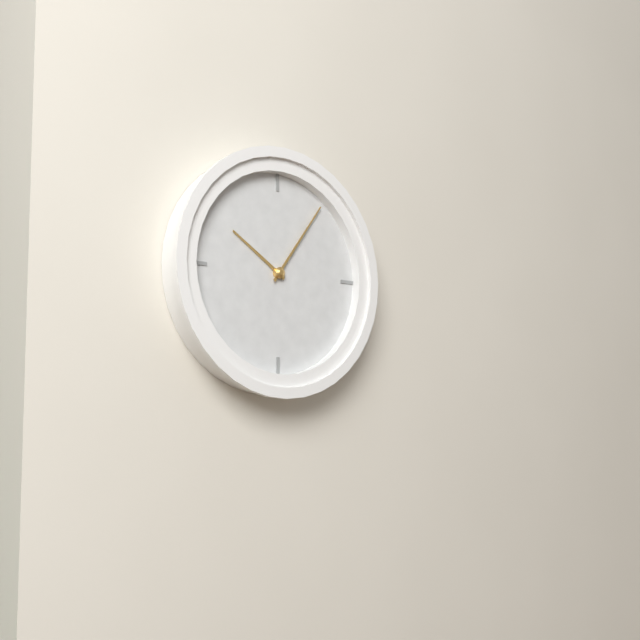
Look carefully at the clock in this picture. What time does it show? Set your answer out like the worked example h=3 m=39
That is h=10 m=6
